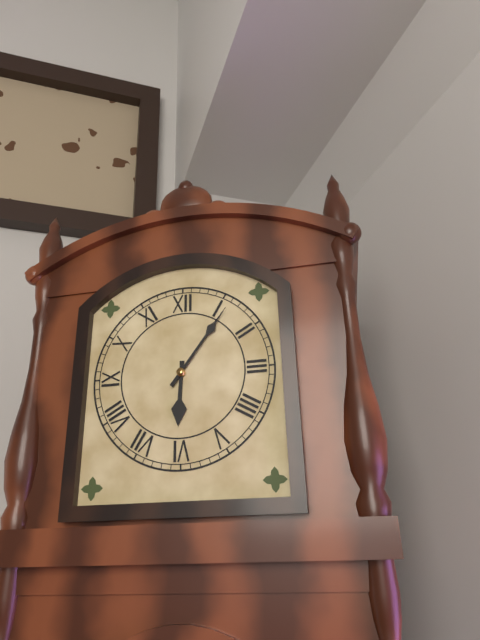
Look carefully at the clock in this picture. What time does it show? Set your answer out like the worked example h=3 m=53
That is h=6 m=6
